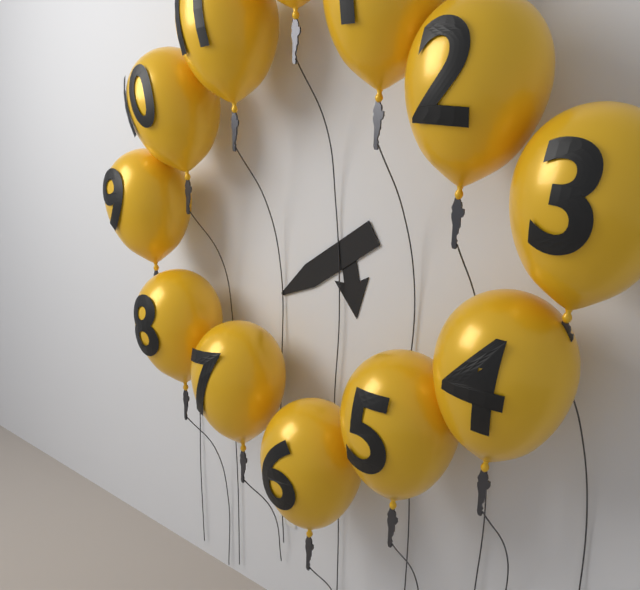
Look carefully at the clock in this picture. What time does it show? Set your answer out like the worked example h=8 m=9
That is h=5 m=40
